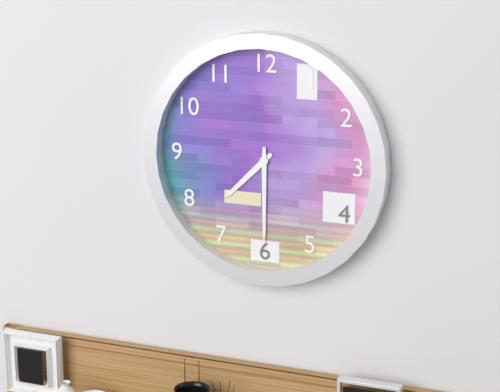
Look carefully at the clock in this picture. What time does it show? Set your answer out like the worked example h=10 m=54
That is h=7 m=30
